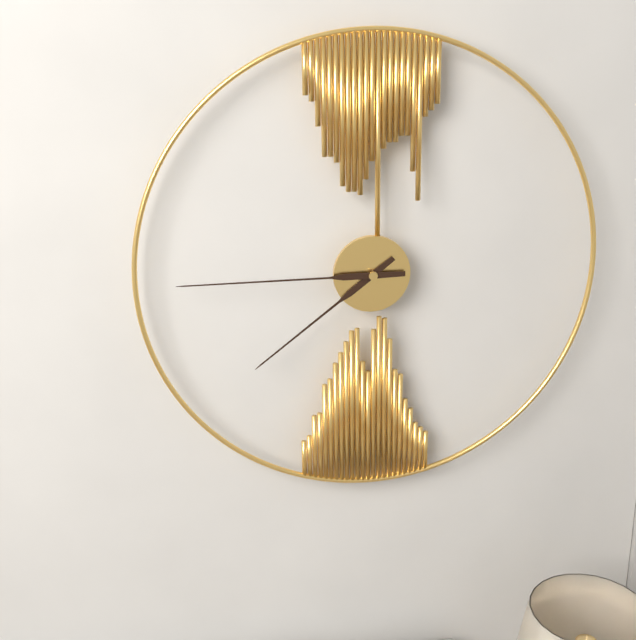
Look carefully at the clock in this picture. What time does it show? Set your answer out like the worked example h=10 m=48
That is h=7 m=45
